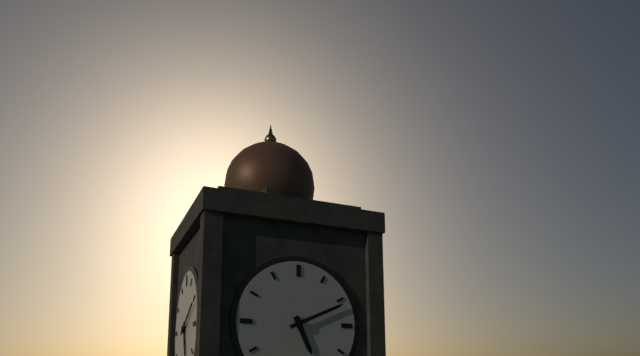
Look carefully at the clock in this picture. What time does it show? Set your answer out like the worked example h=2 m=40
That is h=5 m=11
